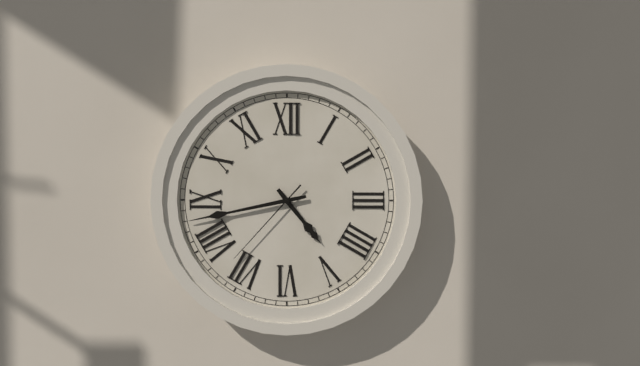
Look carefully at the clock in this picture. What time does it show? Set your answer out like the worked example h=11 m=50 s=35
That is h=4 m=43 s=37
